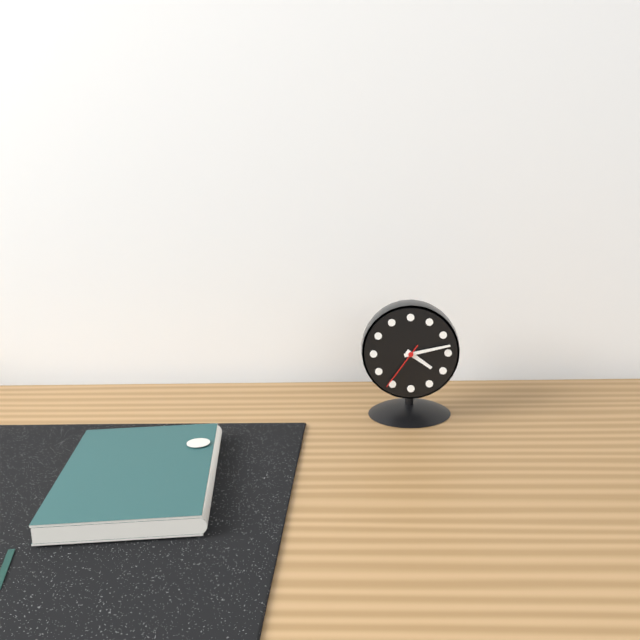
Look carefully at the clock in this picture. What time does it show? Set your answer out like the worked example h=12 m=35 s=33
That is h=4 m=13 s=36
